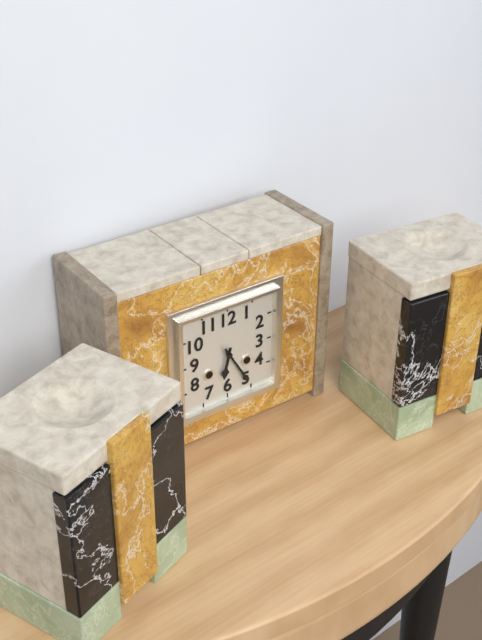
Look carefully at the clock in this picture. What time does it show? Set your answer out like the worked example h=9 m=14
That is h=6 m=25
